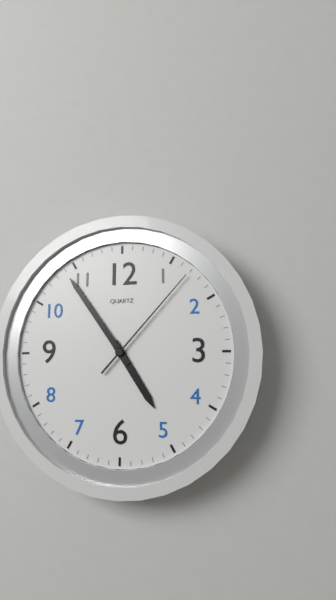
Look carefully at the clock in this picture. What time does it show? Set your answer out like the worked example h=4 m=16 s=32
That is h=4 m=54 s=7
